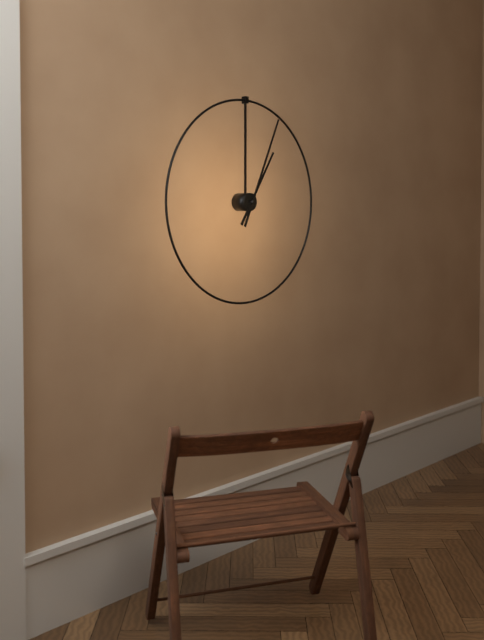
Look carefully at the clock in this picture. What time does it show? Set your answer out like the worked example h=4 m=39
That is h=1 m=4
